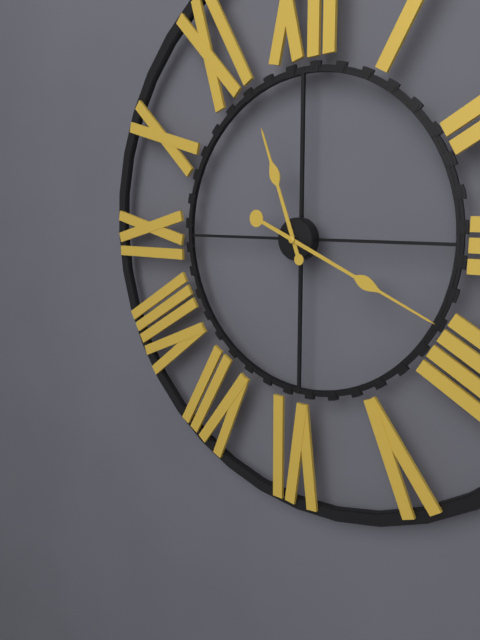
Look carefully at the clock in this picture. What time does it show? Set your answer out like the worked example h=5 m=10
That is h=11 m=19
